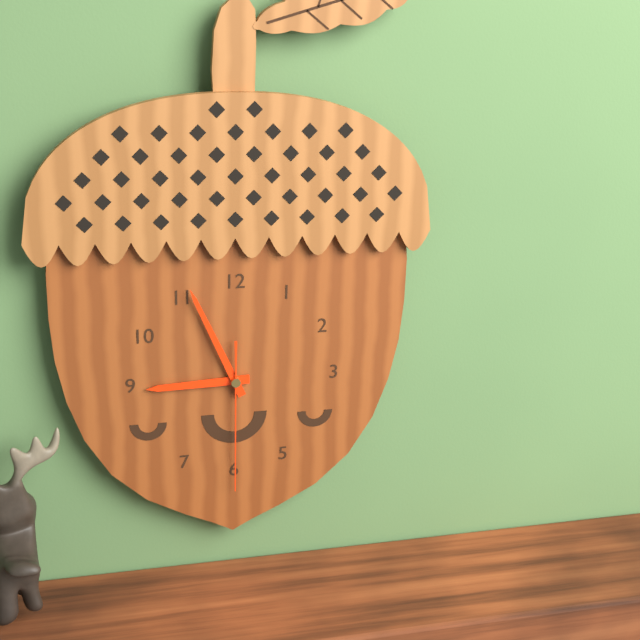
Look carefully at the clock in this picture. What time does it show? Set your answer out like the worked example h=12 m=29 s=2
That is h=8 m=56 s=30
